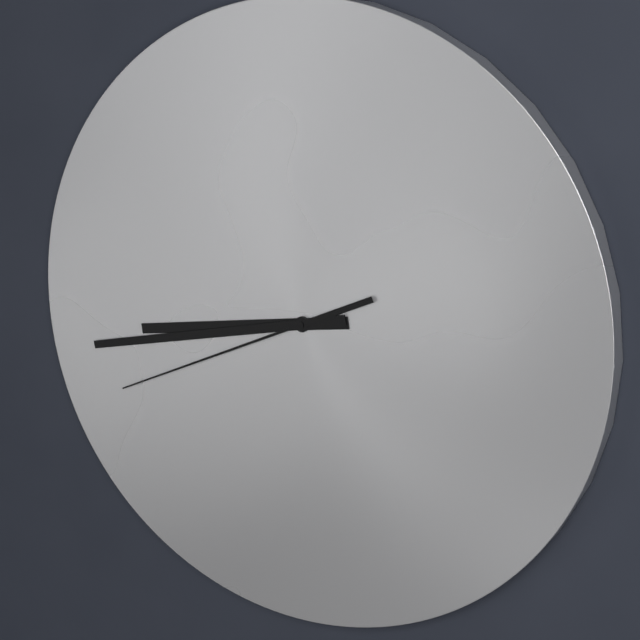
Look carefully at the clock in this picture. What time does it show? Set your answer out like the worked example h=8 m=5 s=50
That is h=8 m=43 s=41
